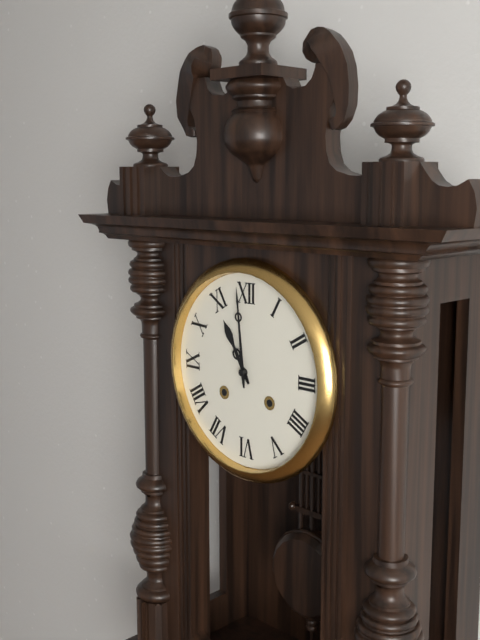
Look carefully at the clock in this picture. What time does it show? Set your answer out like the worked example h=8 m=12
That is h=10 m=59
